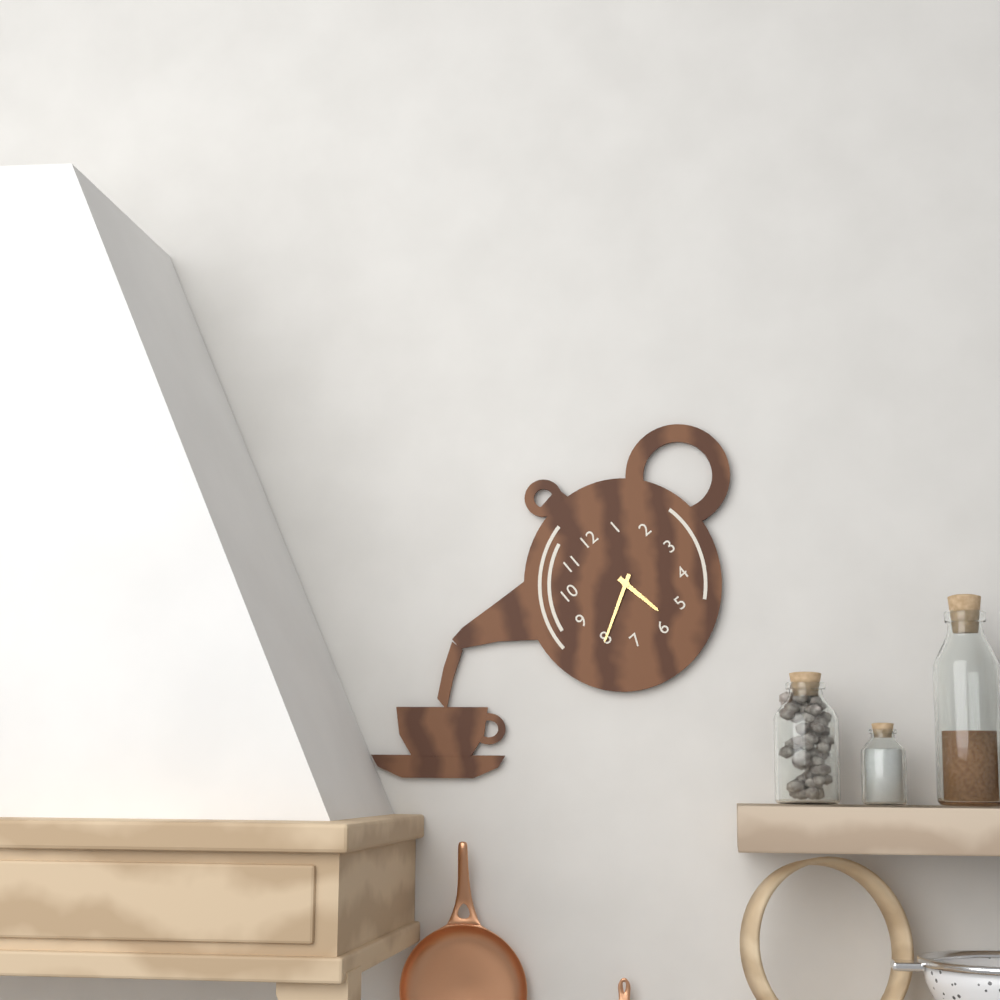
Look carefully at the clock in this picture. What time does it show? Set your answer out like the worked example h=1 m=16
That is h=5 m=40
